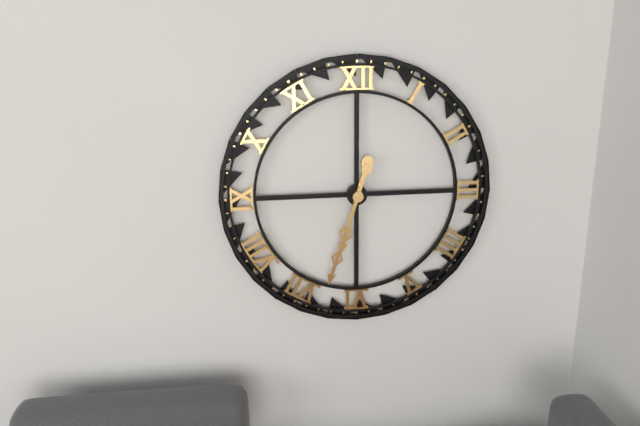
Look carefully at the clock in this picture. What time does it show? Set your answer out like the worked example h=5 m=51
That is h=6 m=33
